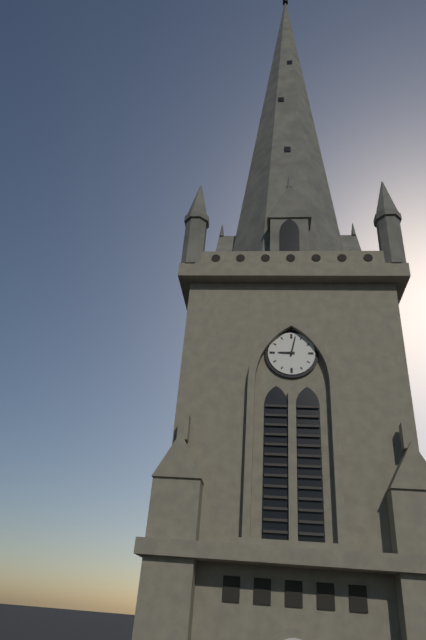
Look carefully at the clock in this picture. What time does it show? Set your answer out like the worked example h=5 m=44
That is h=9 m=2
